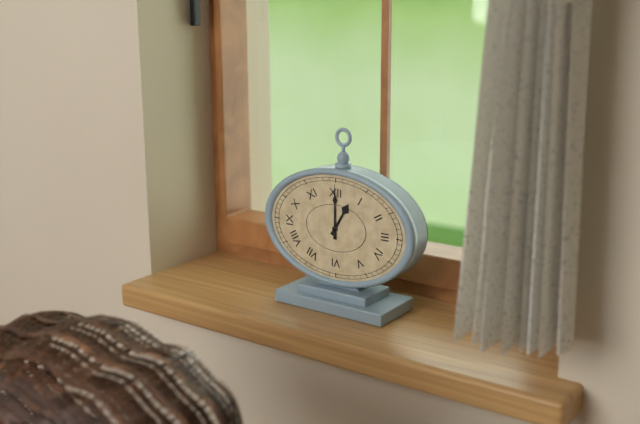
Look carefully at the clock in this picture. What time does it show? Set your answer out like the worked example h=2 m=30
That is h=1 m=0
